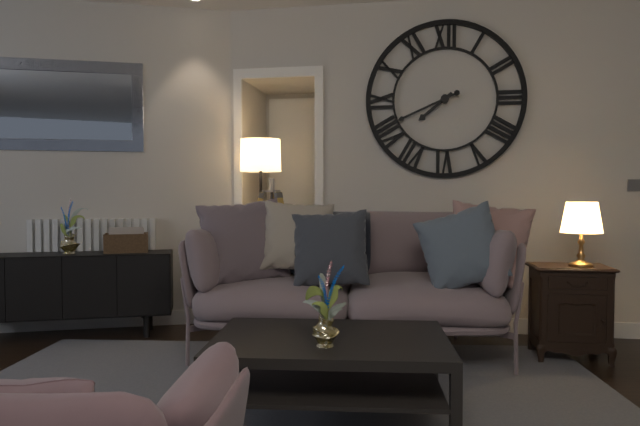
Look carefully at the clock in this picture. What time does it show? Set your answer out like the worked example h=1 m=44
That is h=7 m=41
